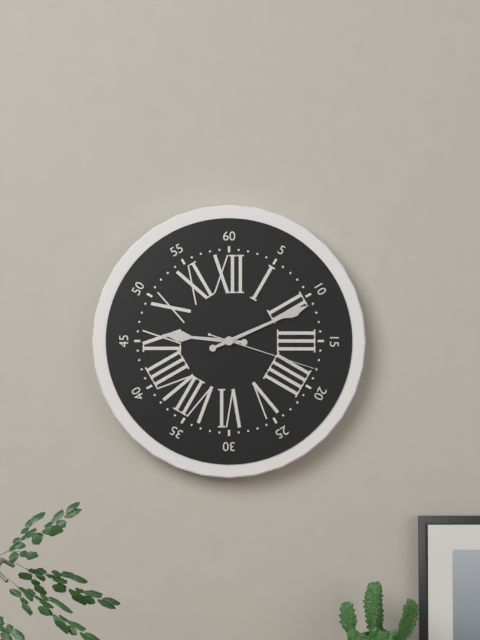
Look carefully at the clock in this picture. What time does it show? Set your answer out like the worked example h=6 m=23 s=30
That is h=9 m=11 s=18
